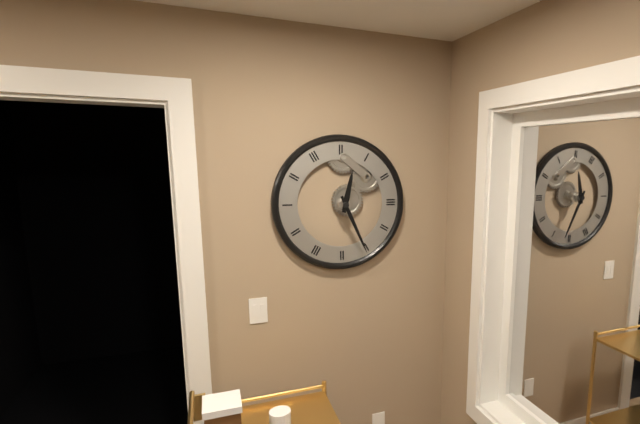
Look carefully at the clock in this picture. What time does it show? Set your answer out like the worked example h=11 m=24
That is h=12 m=26
